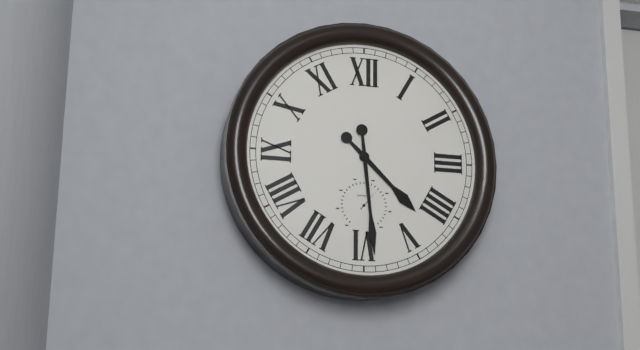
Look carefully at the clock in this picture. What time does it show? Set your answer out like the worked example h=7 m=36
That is h=4 m=29
